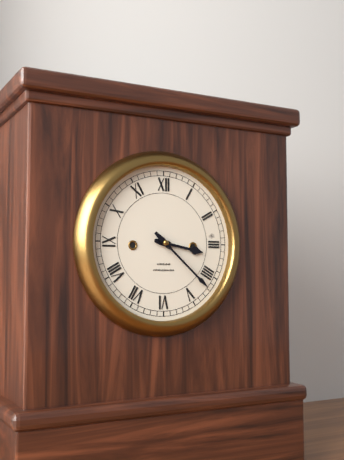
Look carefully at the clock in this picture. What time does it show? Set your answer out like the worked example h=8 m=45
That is h=3 m=22
